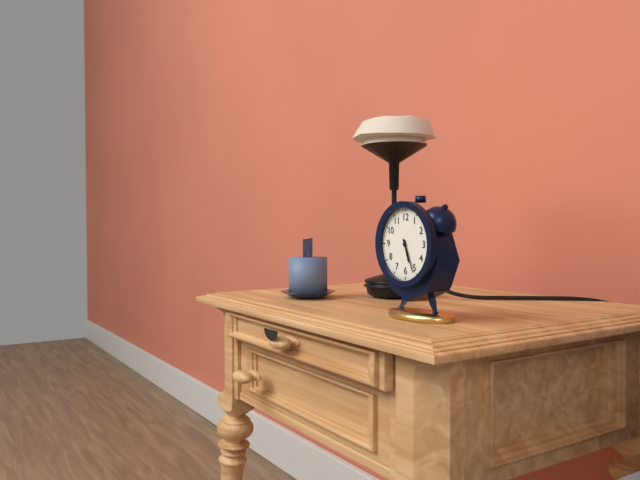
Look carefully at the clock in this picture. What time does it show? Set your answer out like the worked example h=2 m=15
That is h=5 m=26
